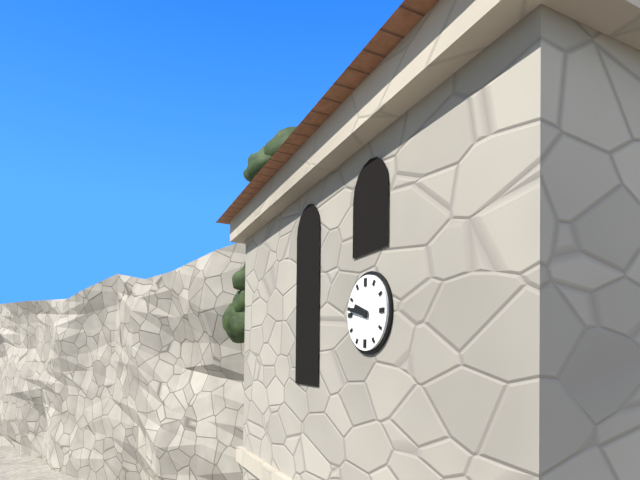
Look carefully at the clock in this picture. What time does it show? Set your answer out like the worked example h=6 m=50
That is h=9 m=47
